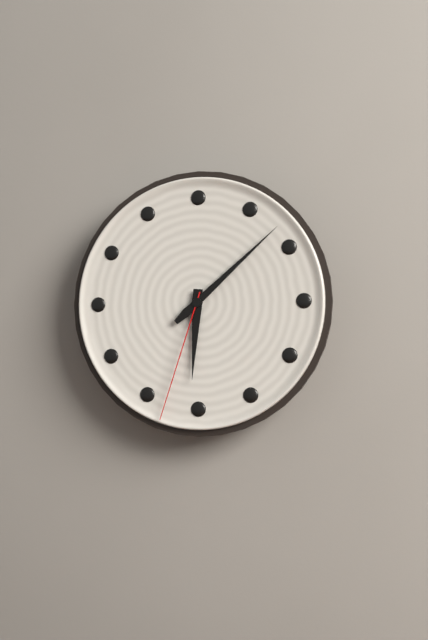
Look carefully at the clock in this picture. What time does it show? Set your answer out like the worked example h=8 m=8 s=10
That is h=6 m=8 s=33
